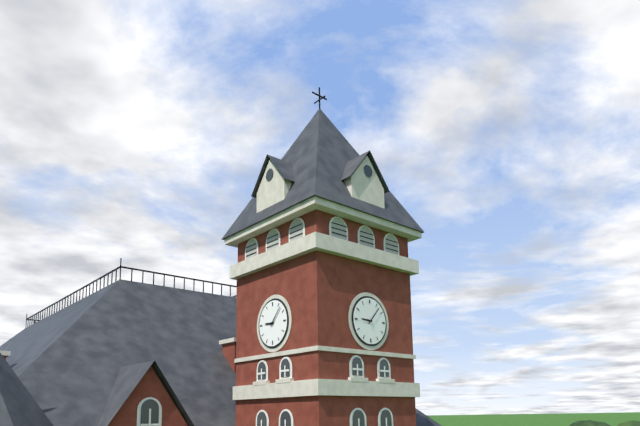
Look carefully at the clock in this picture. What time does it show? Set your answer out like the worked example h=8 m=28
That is h=9 m=7
